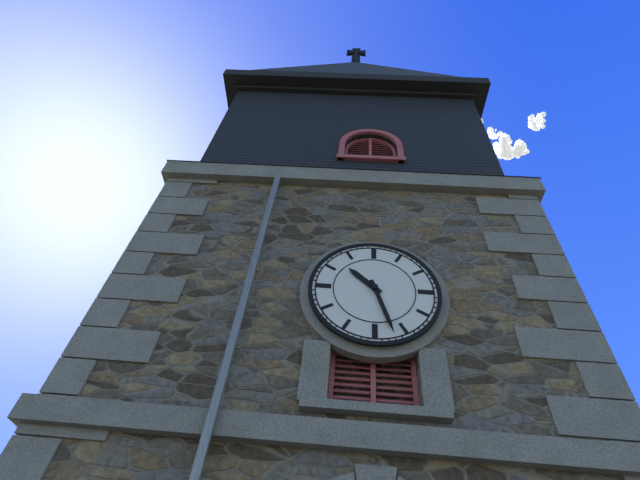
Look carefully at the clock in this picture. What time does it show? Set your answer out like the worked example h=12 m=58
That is h=10 m=27
